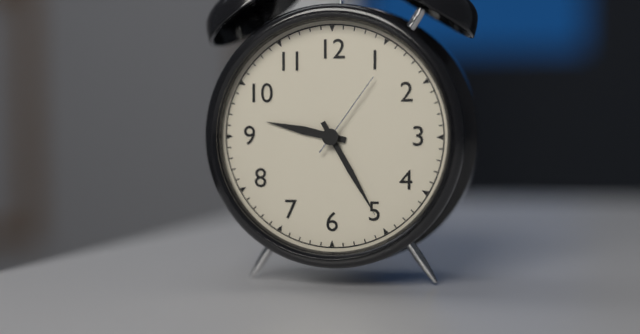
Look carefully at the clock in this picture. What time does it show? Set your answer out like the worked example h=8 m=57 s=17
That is h=9 m=25 s=6
